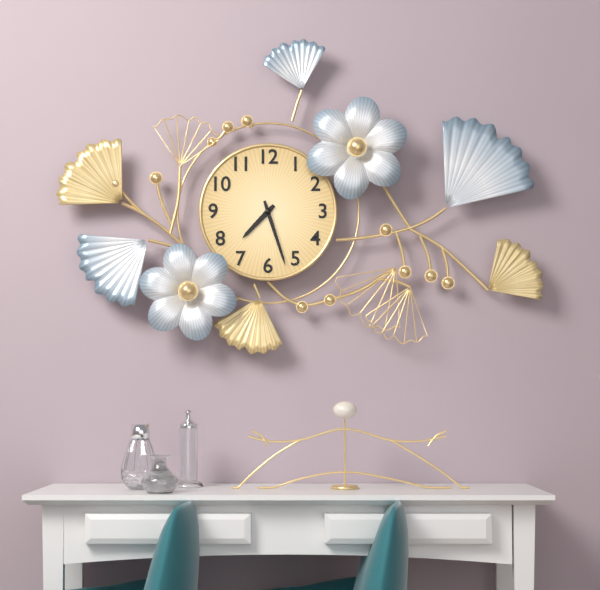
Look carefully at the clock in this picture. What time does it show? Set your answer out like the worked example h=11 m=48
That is h=7 m=27
